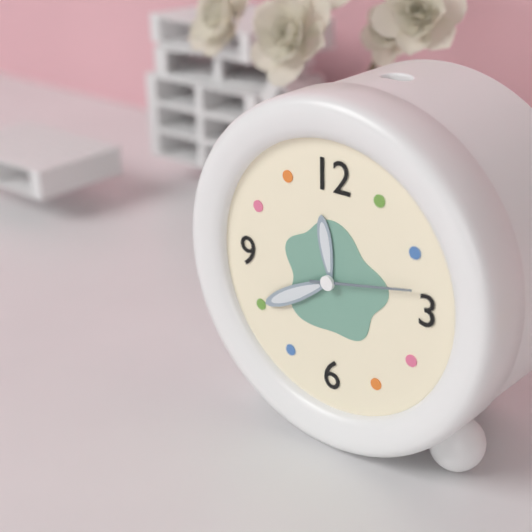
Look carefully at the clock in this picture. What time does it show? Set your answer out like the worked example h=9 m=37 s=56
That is h=11 m=40 s=13
